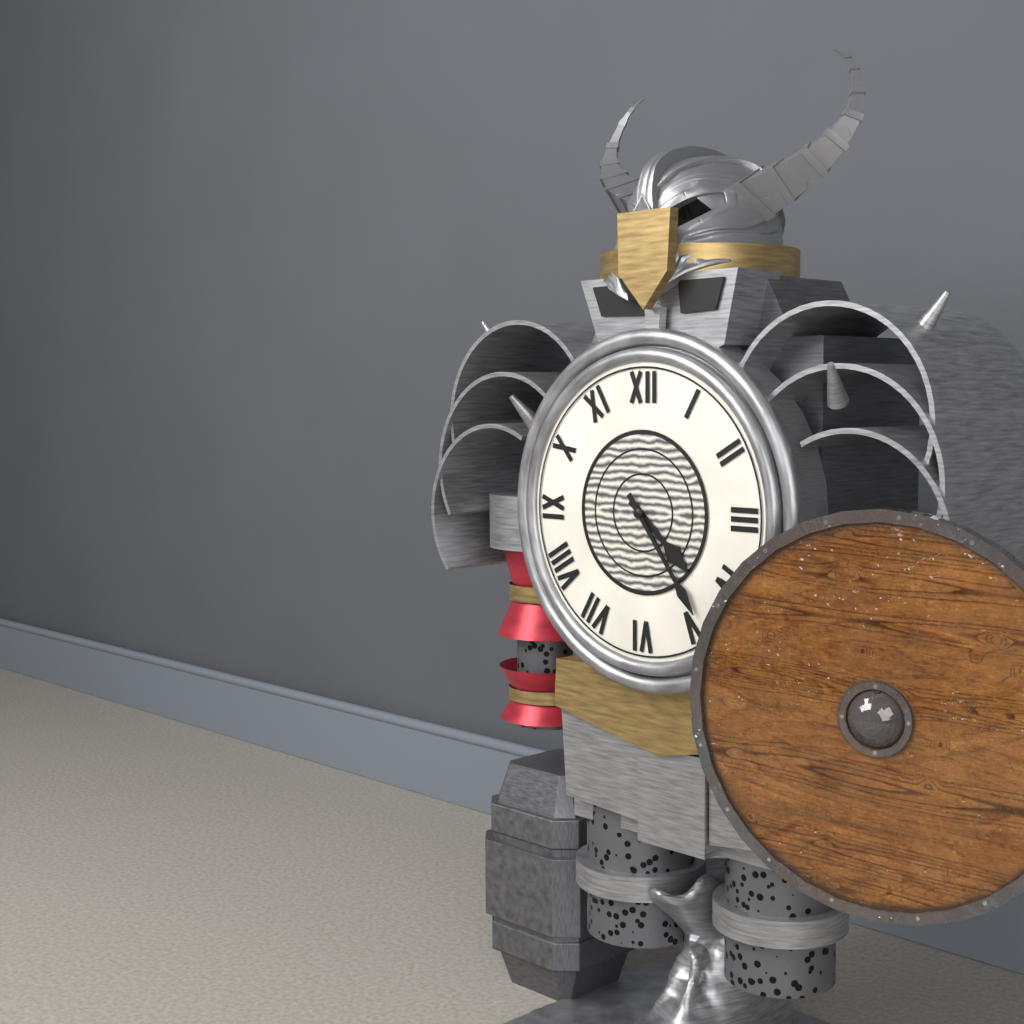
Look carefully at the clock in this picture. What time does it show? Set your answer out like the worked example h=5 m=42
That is h=4 m=24
